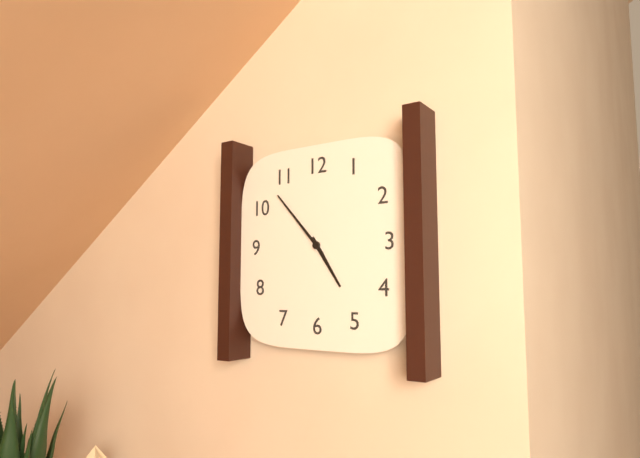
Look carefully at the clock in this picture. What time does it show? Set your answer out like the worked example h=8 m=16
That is h=4 m=53
